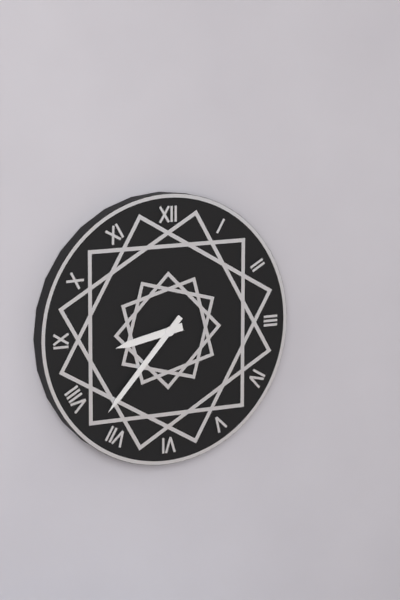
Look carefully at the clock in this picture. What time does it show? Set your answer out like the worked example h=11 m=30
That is h=8 m=37
